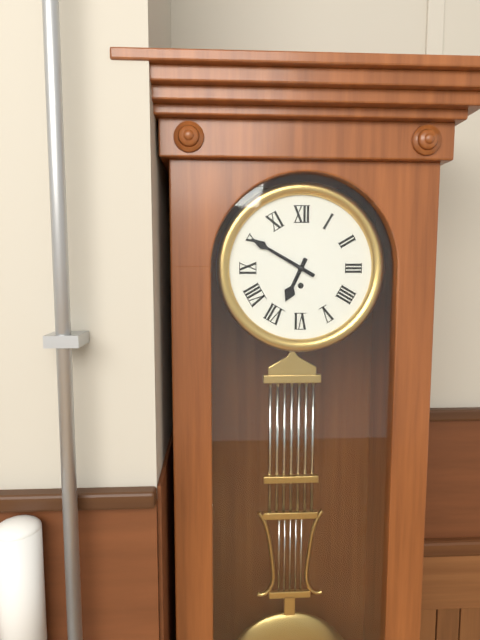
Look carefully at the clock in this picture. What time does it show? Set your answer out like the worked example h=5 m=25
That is h=6 m=50
